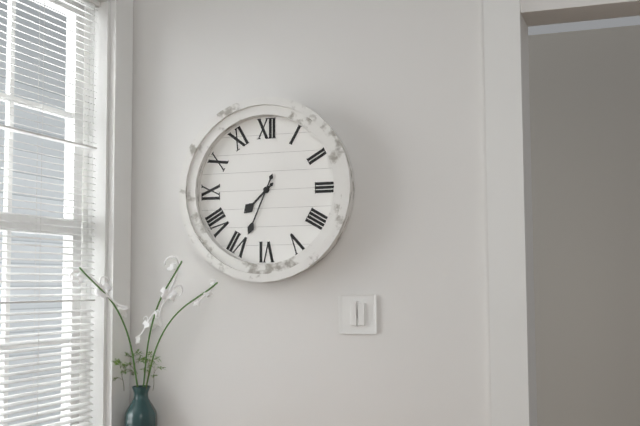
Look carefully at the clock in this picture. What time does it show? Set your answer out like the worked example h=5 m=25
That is h=7 m=34
